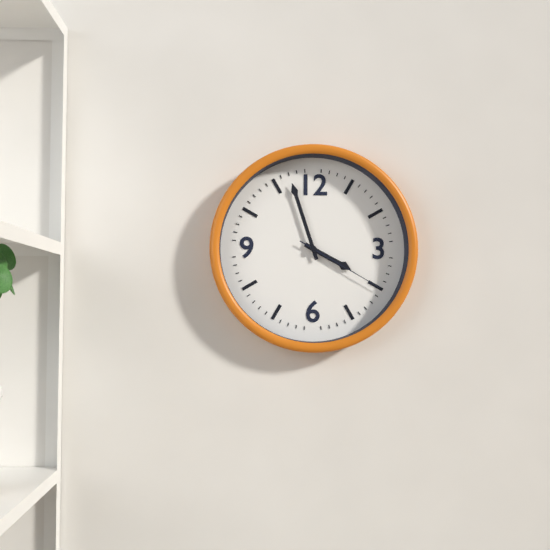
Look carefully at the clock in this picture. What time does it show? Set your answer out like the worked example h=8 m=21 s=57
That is h=3 m=57 s=20
